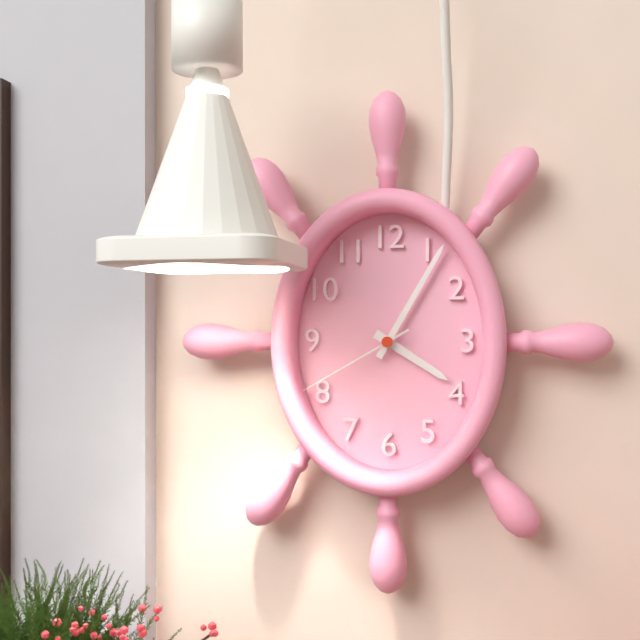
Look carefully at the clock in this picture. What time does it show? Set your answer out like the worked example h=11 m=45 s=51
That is h=4 m=5 s=40
